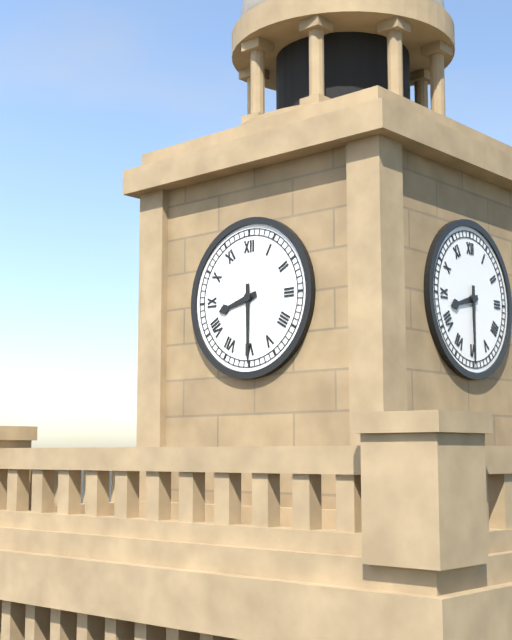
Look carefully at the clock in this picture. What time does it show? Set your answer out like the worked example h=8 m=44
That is h=8 m=30
